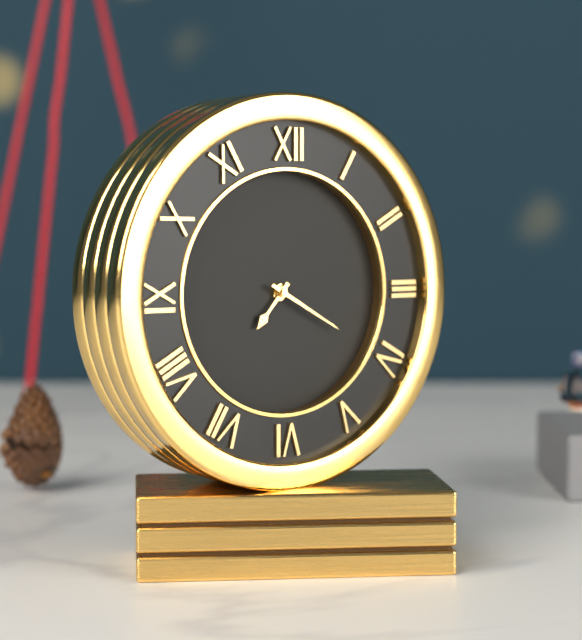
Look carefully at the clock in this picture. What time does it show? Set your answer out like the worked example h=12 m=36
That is h=7 m=20
